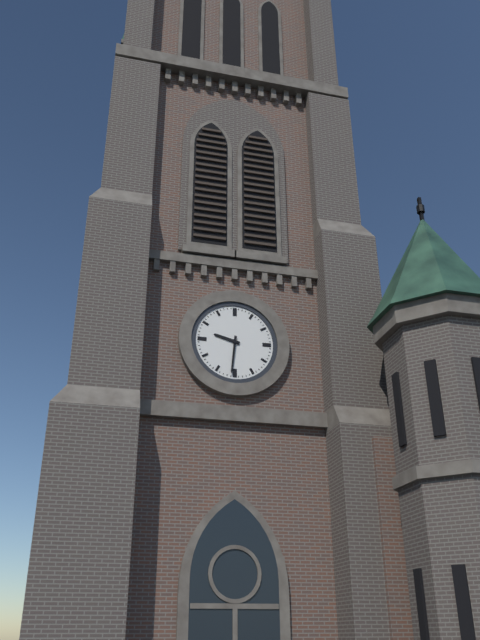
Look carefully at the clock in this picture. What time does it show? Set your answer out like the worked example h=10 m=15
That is h=9 m=31
